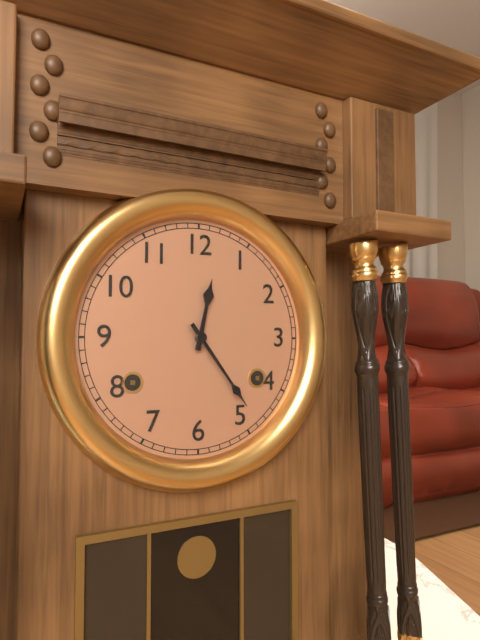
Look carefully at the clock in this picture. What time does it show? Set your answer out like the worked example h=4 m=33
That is h=12 m=24
